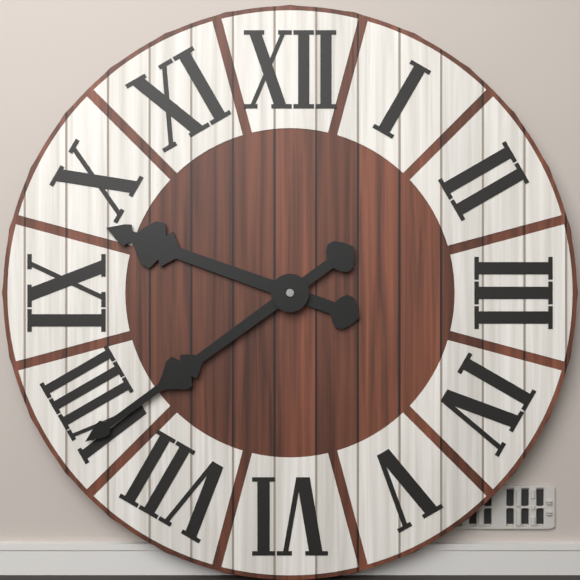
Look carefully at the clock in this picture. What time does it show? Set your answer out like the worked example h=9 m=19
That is h=9 m=39
